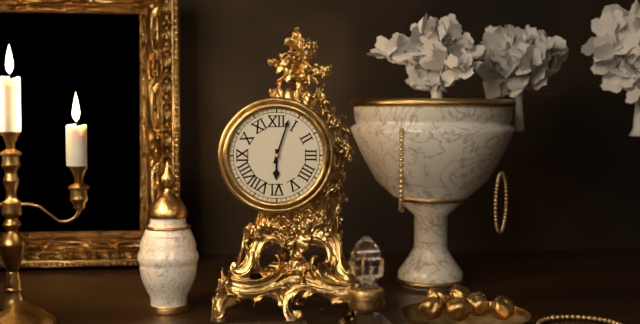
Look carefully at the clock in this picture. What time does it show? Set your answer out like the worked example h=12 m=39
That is h=6 m=3
